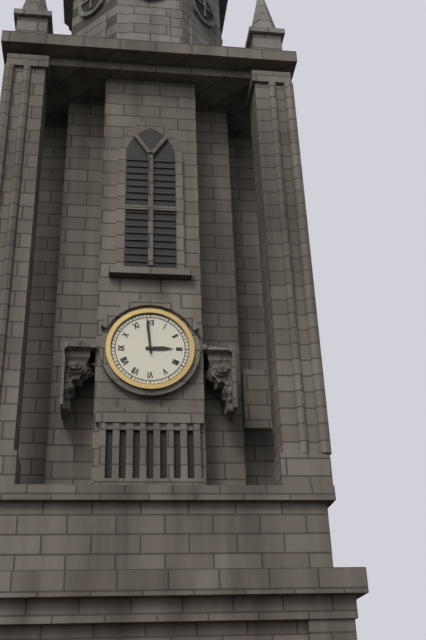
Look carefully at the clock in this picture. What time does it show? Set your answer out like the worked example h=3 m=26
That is h=2 m=59
